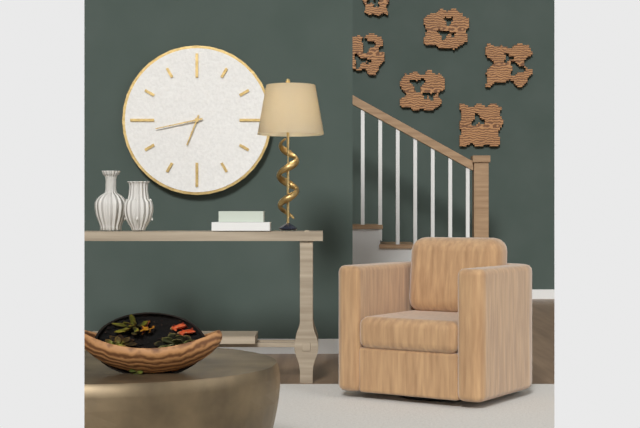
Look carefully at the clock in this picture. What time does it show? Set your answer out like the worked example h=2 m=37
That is h=6 m=43
